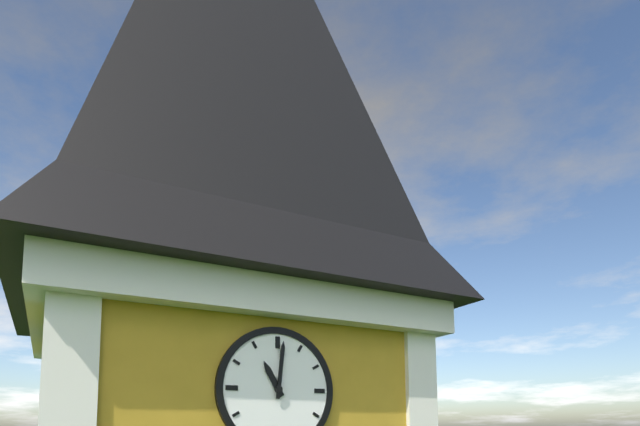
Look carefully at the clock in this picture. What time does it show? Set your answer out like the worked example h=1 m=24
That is h=11 m=1
